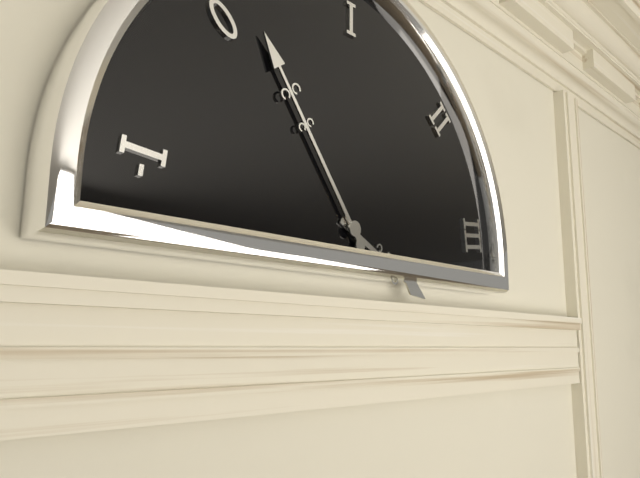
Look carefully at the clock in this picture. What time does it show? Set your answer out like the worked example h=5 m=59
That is h=3 m=54
